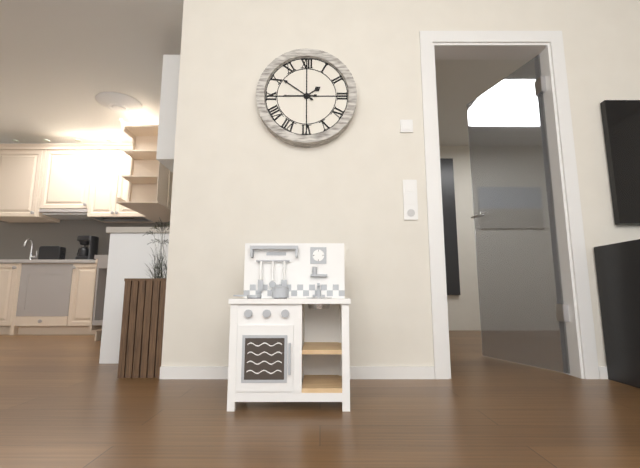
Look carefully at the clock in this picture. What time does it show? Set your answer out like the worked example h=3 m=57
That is h=1 m=51
